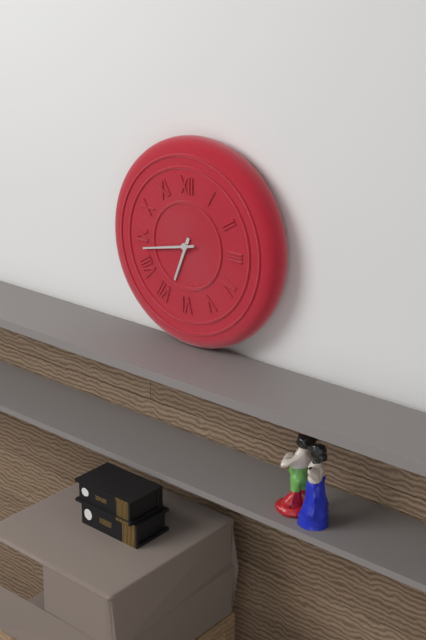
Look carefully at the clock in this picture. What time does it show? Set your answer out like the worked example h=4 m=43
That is h=6 m=43
